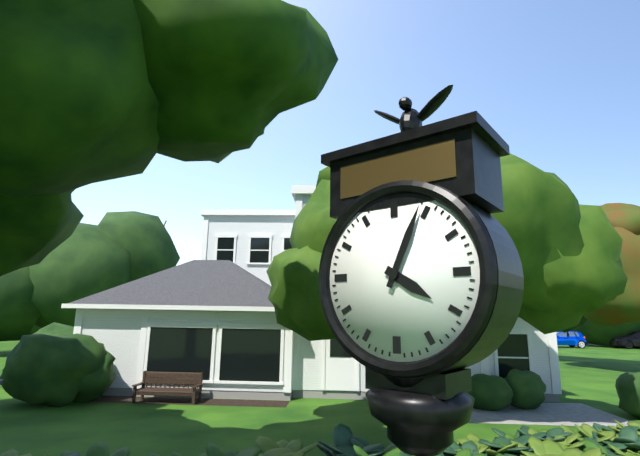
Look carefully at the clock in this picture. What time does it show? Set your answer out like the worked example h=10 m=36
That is h=4 m=4
